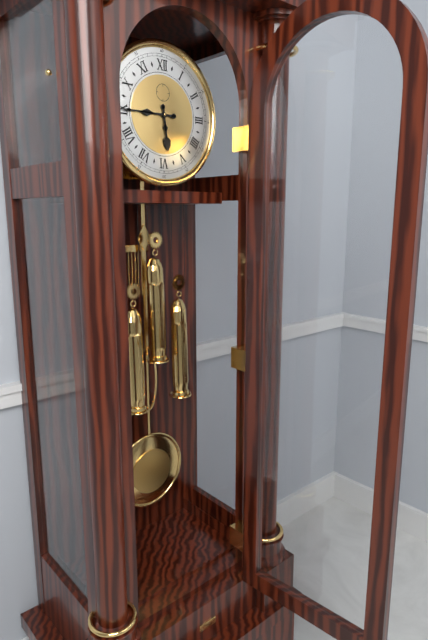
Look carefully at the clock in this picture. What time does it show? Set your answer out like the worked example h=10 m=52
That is h=5 m=45
